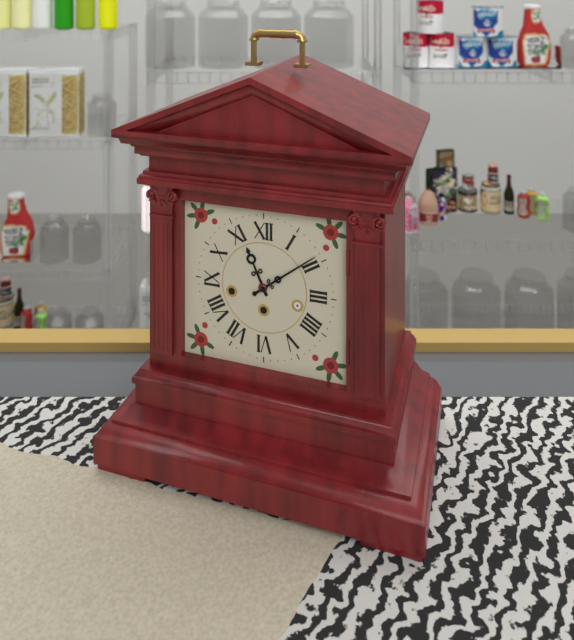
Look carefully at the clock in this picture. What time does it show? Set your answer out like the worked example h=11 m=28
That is h=11 m=9
